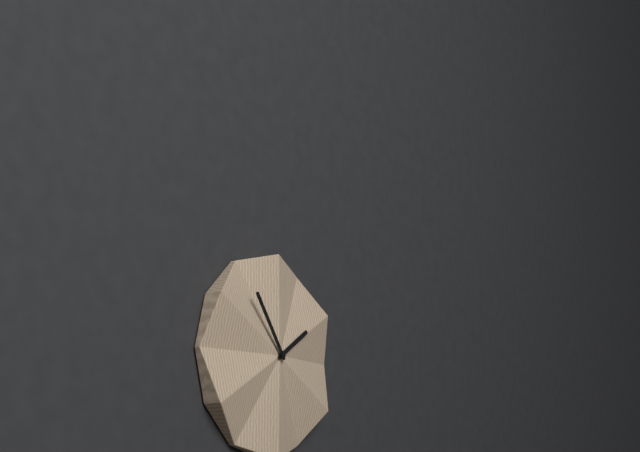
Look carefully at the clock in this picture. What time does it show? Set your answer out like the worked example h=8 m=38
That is h=1 m=54
